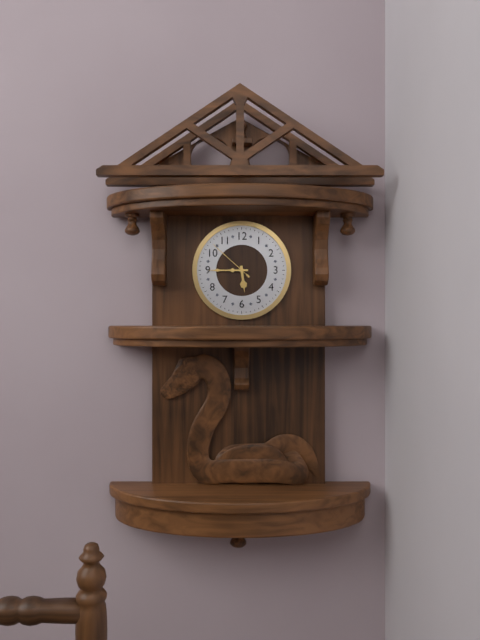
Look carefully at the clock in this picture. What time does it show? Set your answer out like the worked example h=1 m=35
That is h=5 m=45
